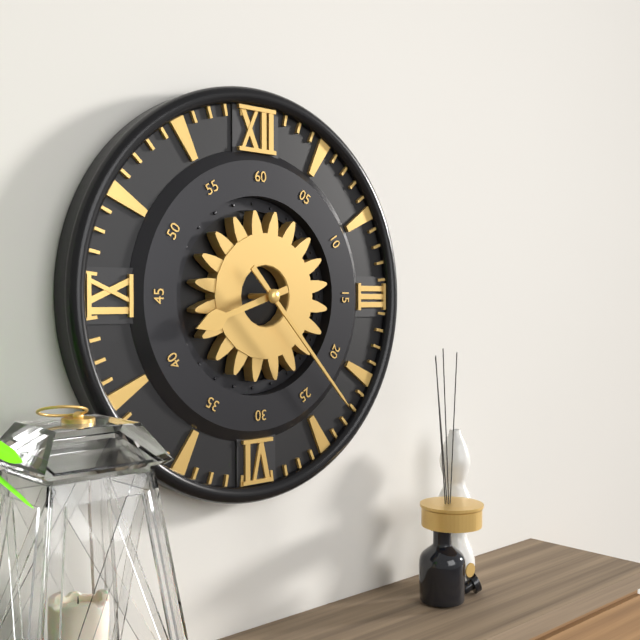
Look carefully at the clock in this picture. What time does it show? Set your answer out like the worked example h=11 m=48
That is h=8 m=23
